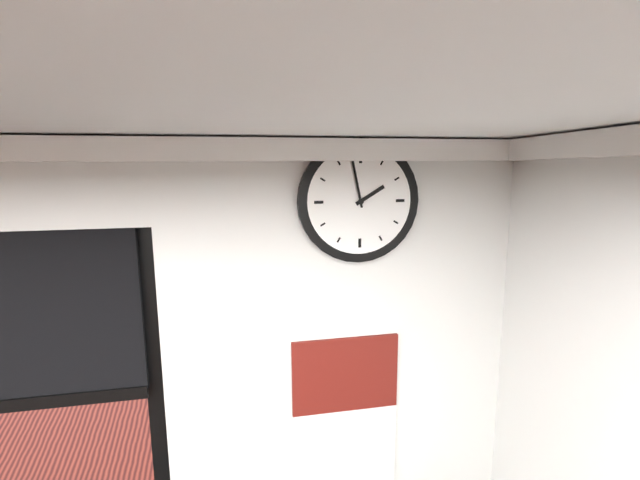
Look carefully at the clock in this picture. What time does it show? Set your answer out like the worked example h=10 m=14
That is h=1 m=58
